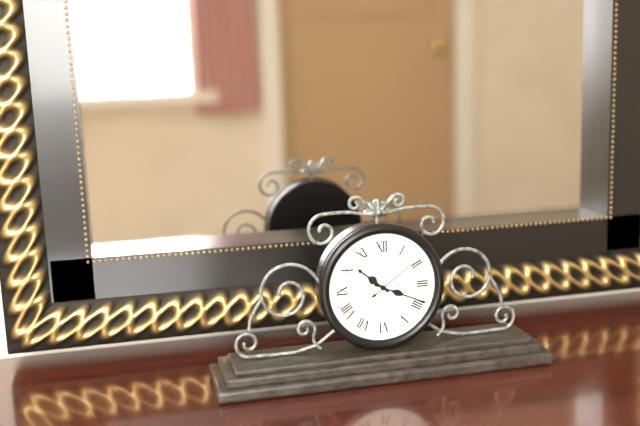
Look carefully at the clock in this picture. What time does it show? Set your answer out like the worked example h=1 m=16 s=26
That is h=10 m=19 s=9
